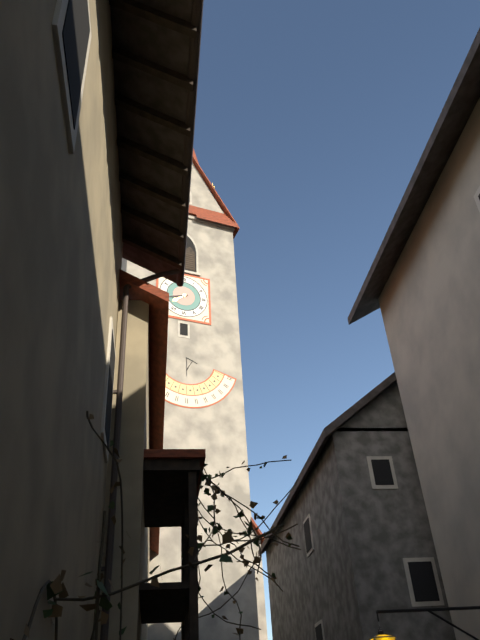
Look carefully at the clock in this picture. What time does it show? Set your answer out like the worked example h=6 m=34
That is h=7 m=42
